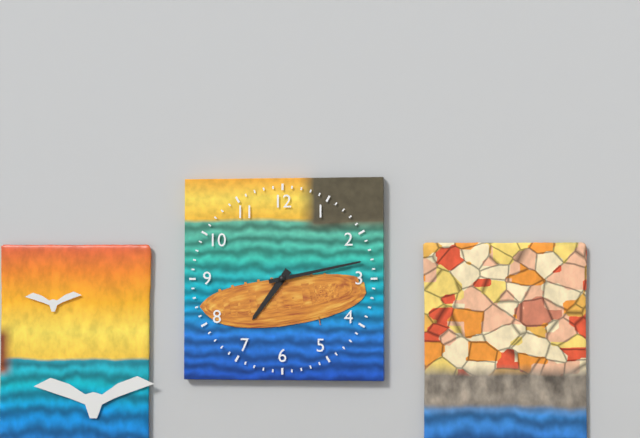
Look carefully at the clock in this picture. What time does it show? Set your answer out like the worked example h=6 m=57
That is h=7 m=13
